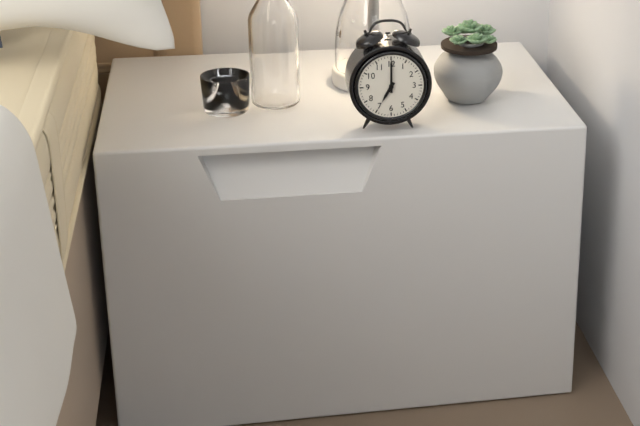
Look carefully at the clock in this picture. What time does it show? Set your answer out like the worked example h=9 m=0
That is h=7 m=0
